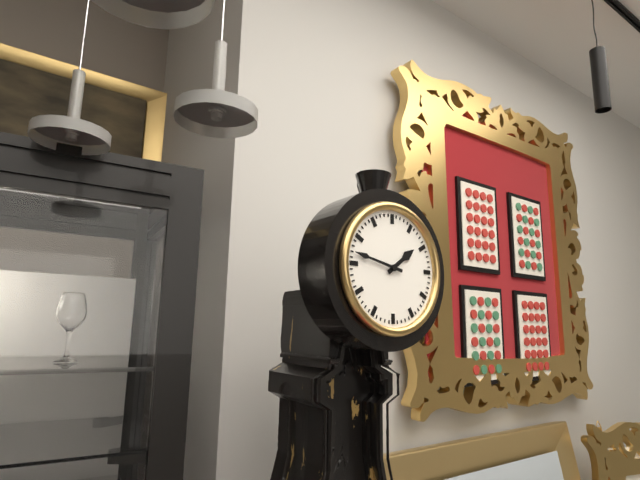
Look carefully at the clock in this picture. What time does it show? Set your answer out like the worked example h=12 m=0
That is h=1 m=47
